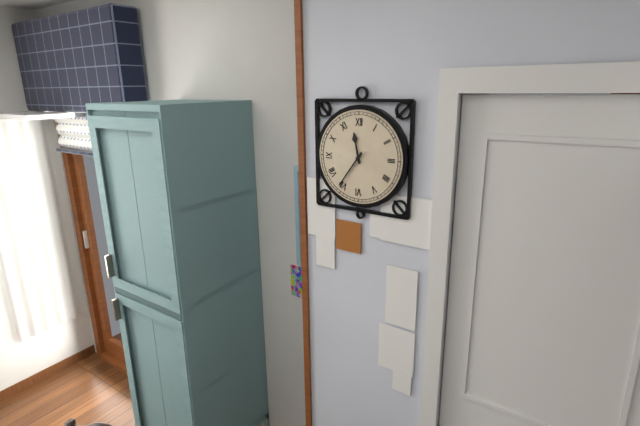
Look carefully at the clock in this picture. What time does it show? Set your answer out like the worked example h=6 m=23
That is h=11 m=36
